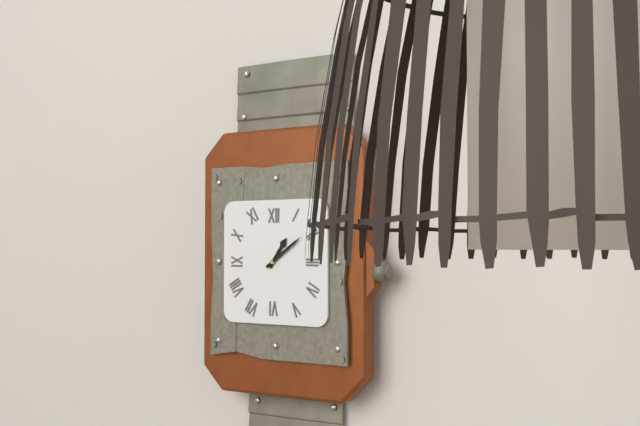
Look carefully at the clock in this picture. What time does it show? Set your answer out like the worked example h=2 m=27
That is h=1 m=9
